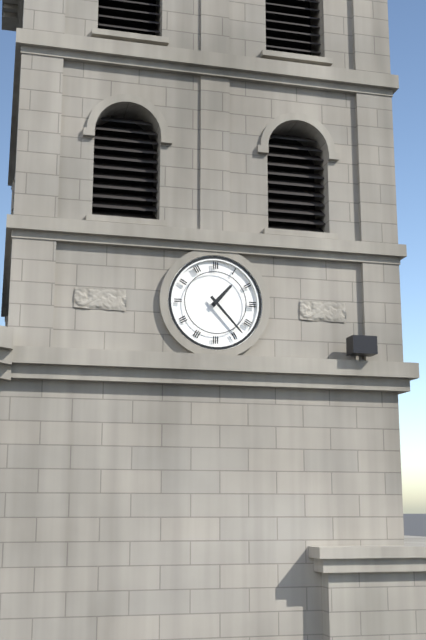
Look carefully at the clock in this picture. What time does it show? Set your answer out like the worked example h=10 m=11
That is h=1 m=23
